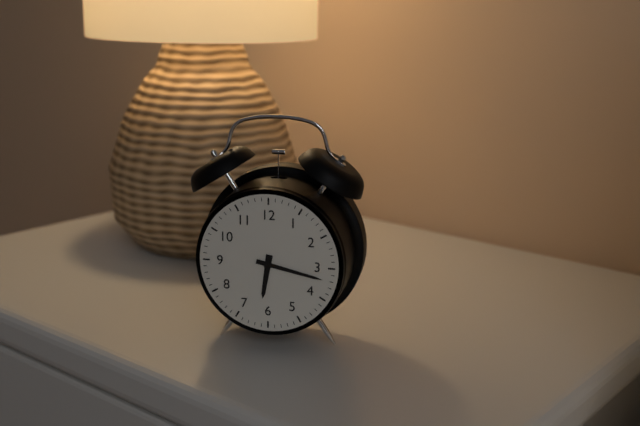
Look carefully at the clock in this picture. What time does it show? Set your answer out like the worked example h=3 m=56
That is h=6 m=17
